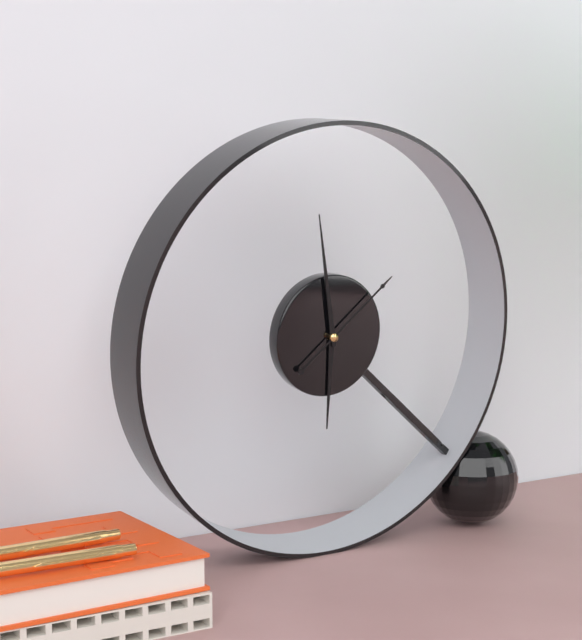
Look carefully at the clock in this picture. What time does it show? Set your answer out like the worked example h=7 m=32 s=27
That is h=5 m=58 s=8
